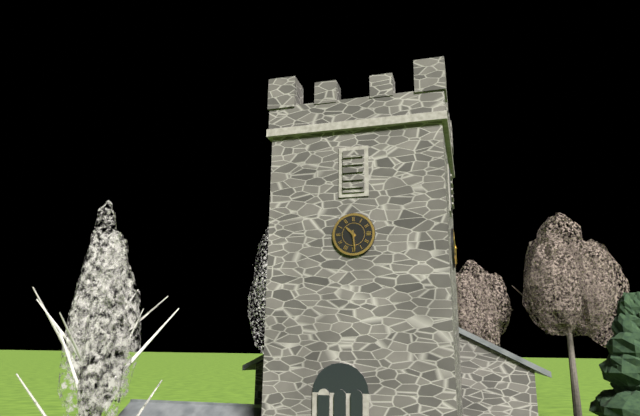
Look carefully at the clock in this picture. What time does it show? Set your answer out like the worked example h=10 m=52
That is h=10 m=29
